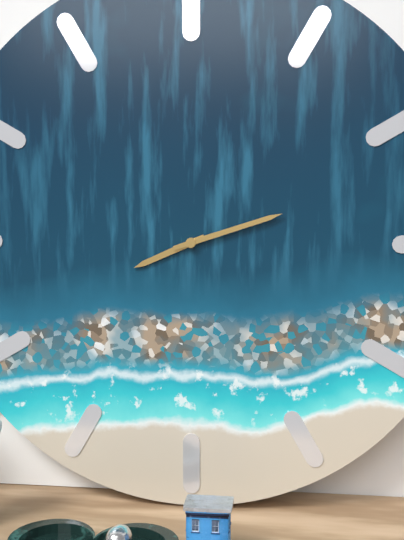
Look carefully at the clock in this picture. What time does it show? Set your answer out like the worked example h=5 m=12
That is h=8 m=12
